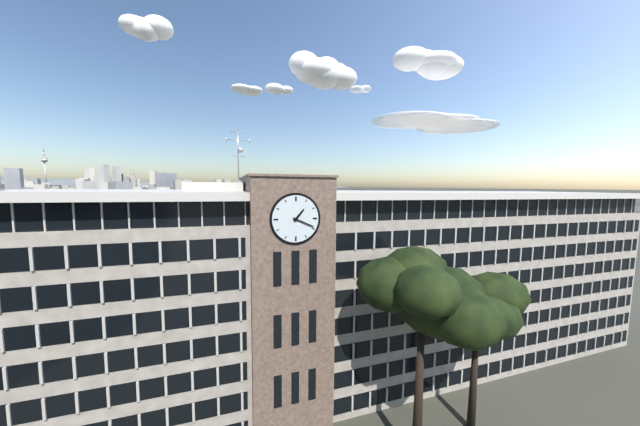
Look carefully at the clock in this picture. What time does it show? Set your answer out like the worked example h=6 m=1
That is h=1 m=19
